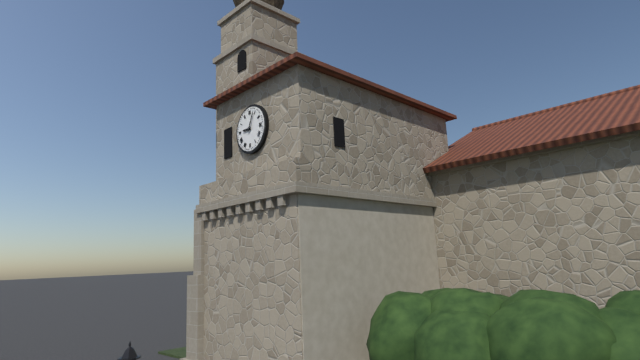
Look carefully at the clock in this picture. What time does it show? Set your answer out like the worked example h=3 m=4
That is h=9 m=4
